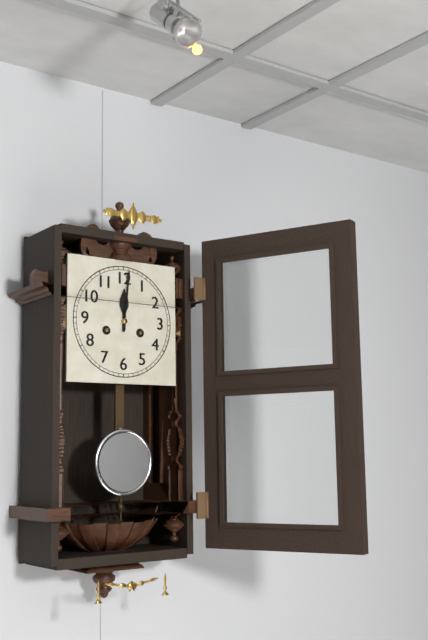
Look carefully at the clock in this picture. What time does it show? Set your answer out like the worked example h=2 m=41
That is h=12 m=1
